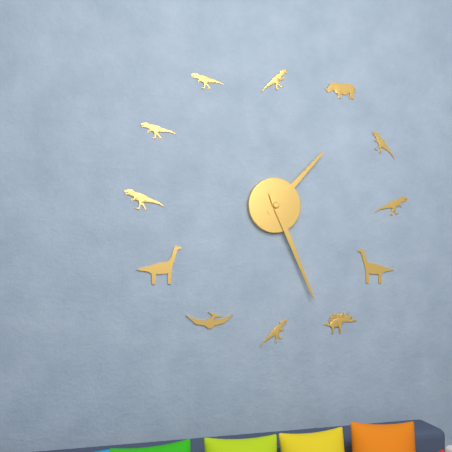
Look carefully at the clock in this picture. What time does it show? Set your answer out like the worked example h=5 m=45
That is h=1 m=26
